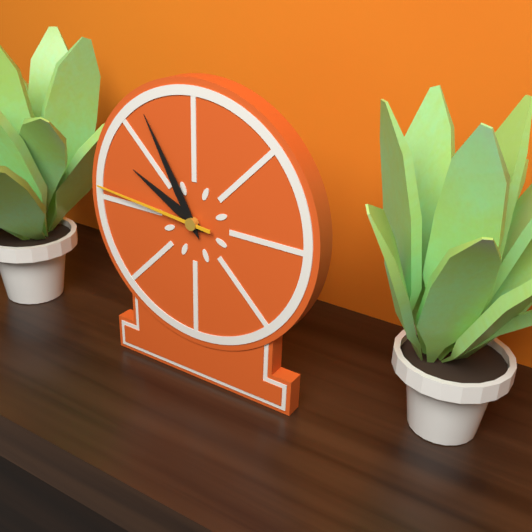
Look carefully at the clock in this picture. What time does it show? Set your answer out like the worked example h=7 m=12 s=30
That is h=9 m=55 s=46
